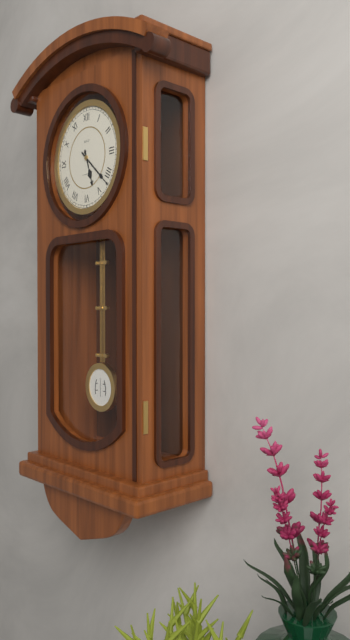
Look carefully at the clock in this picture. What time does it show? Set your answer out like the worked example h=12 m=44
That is h=5 m=22
